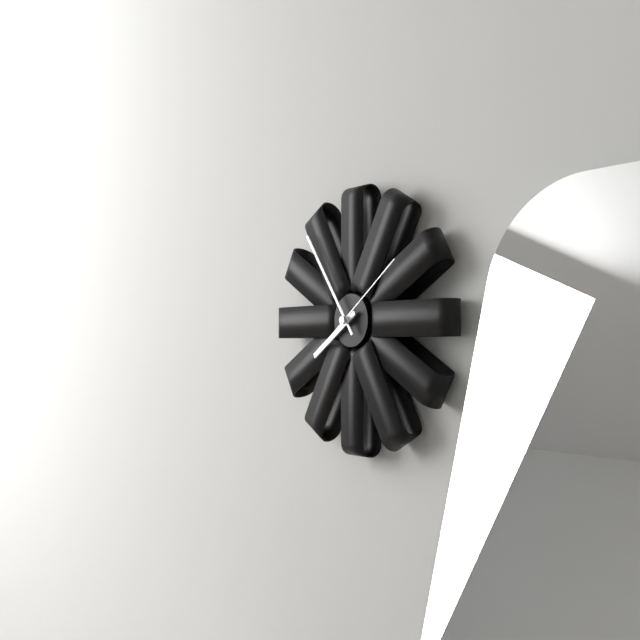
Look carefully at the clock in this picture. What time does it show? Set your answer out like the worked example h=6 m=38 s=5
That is h=7 m=54 s=9
